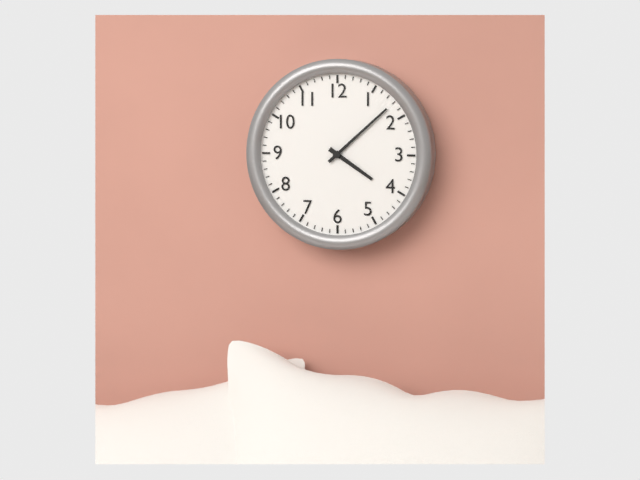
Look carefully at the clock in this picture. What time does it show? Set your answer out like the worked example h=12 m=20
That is h=4 m=8
